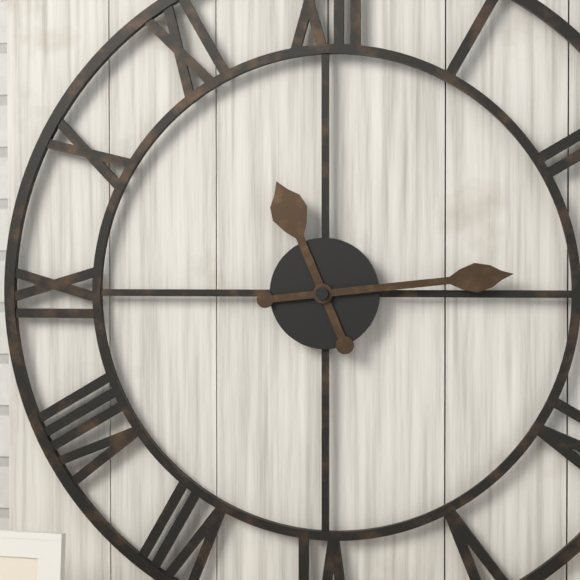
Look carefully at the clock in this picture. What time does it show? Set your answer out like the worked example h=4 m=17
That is h=11 m=14
